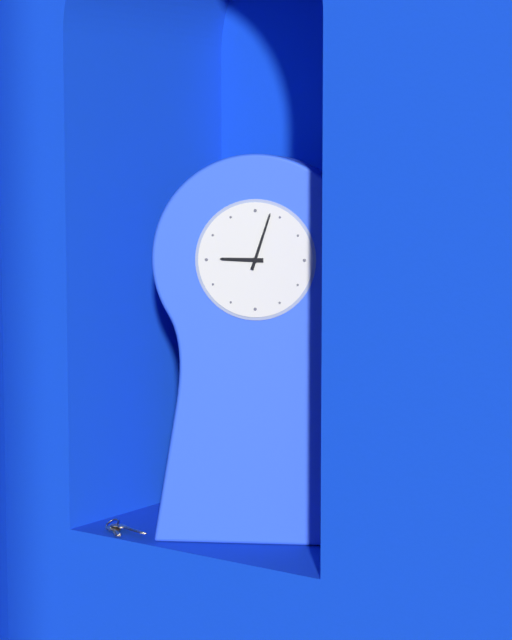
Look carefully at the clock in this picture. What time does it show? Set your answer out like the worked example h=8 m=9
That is h=9 m=3
